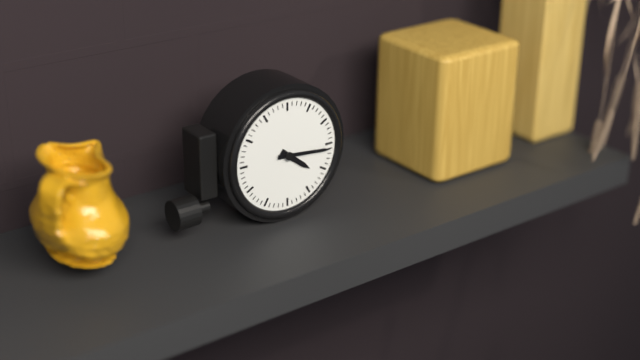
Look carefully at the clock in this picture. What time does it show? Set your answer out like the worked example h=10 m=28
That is h=4 m=16
